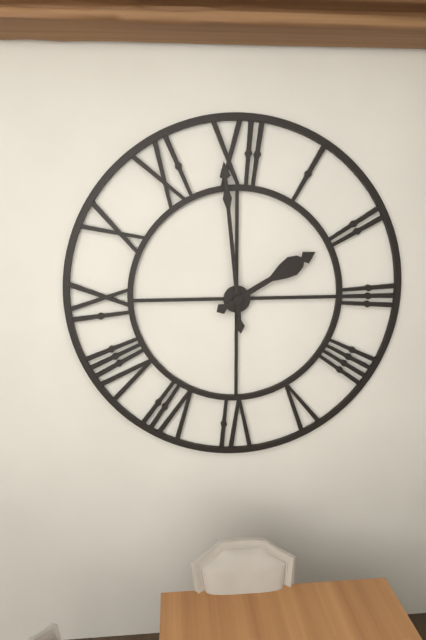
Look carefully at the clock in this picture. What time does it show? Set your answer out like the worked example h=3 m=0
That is h=1 m=59
